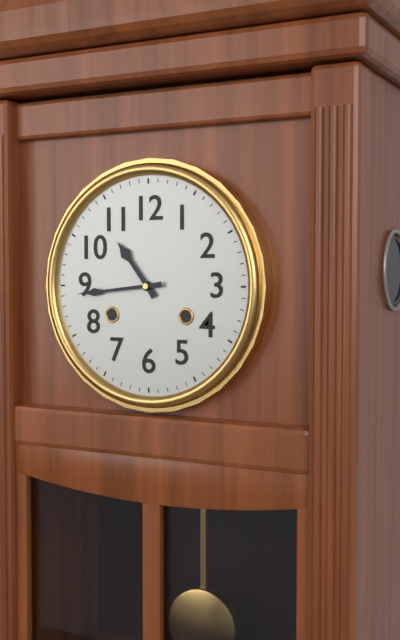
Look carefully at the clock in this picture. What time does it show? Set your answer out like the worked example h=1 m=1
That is h=10 m=44
